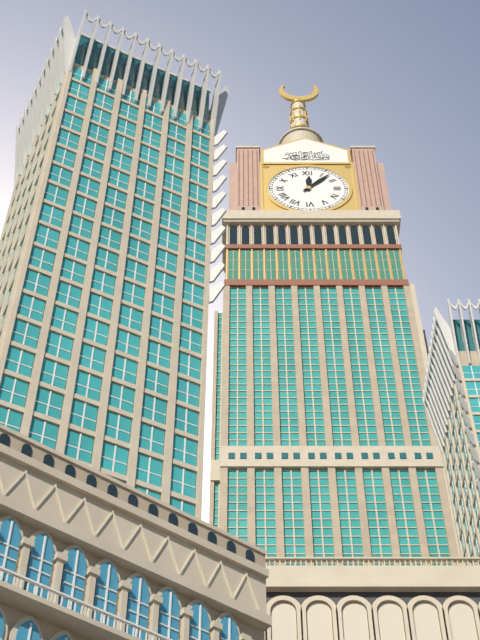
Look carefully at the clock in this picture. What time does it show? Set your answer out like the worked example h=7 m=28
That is h=12 m=7
